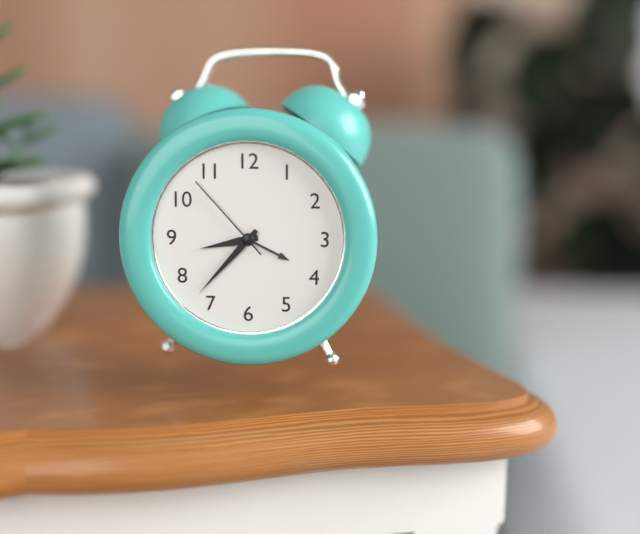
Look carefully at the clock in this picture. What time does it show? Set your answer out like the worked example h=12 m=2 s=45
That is h=8 m=37 s=53
